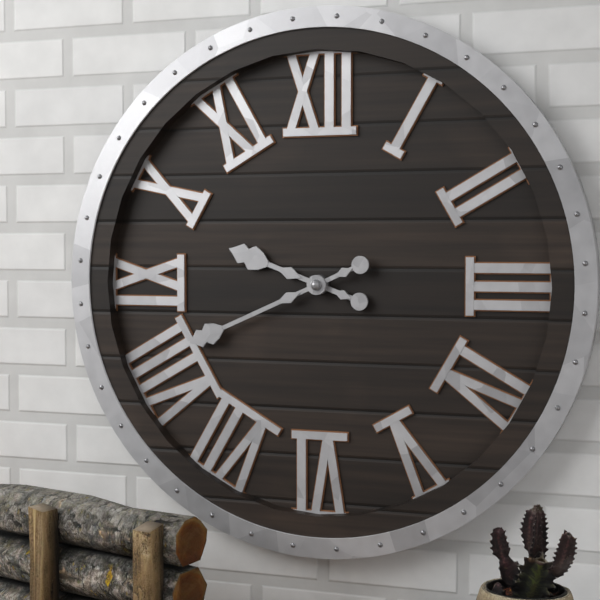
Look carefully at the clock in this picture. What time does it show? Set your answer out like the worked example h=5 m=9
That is h=9 m=41
